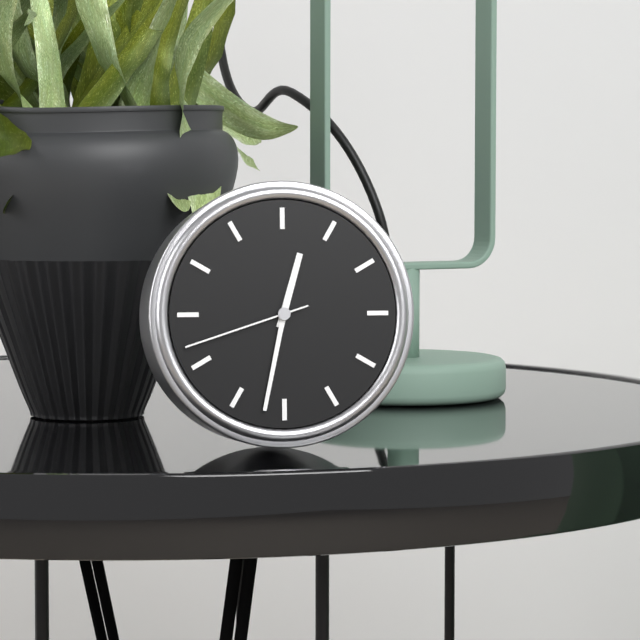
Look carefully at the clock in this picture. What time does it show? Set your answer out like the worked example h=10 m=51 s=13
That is h=12 m=32 s=42
